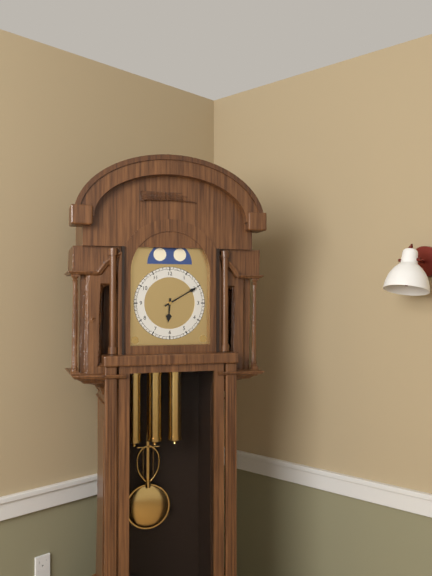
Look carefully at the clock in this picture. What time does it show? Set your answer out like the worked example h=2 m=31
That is h=6 m=10
